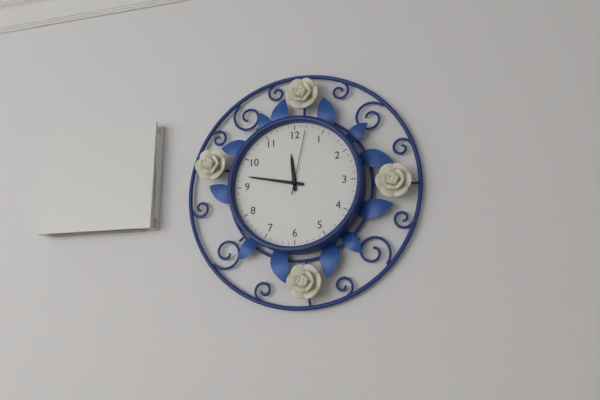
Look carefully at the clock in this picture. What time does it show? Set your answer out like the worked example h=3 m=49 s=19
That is h=11 m=47 s=2
